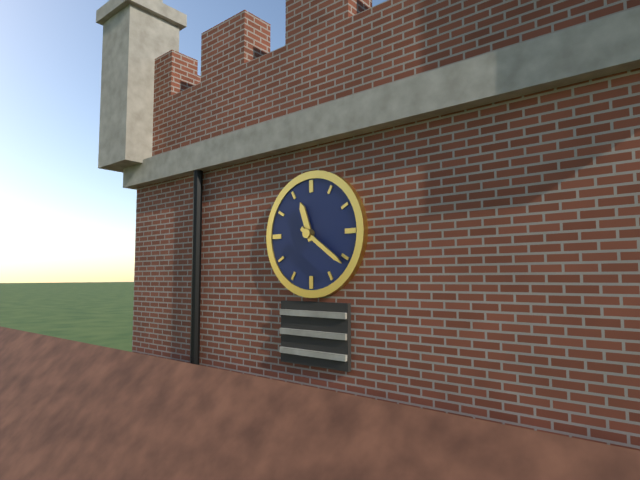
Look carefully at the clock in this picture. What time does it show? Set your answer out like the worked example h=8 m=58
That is h=11 m=21
